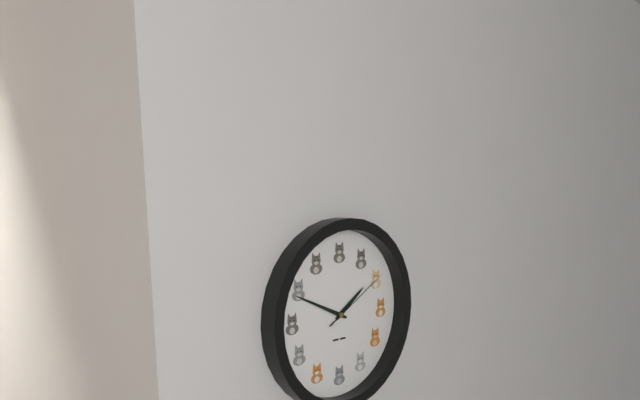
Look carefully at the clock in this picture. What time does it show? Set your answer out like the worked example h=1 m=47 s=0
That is h=1 m=49 s=10
